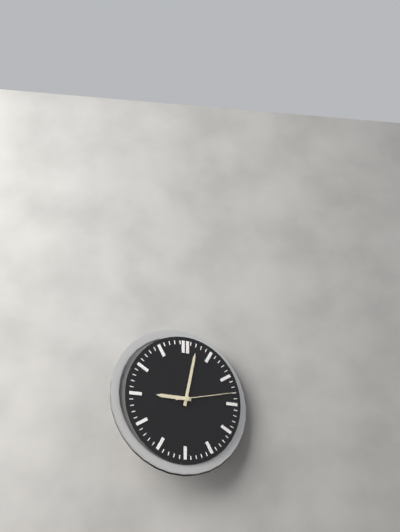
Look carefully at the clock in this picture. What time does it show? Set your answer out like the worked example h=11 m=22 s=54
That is h=9 m=2 s=13
